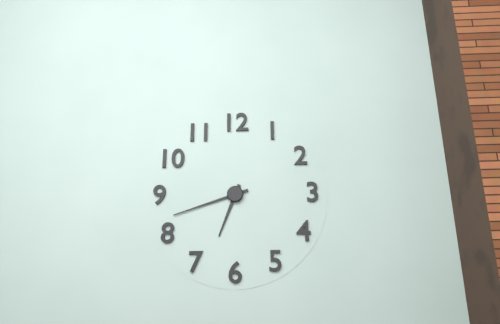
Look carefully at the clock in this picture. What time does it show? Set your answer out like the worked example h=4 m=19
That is h=6 m=42
